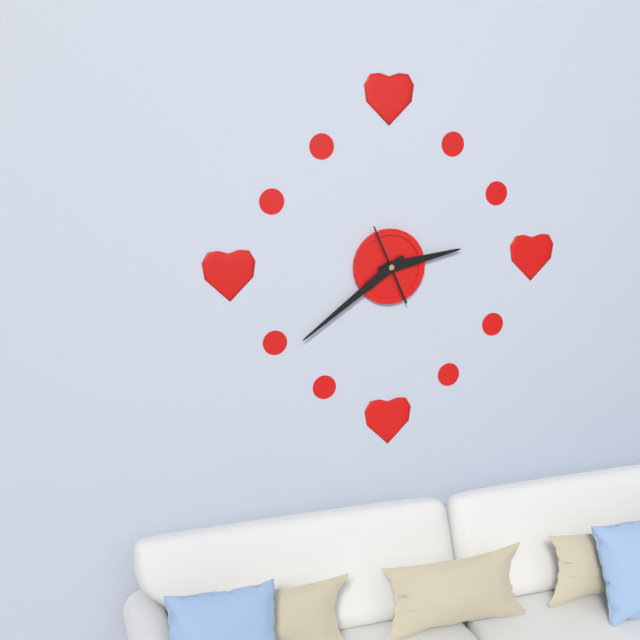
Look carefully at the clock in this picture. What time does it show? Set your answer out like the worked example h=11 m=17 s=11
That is h=2 m=39 s=56
